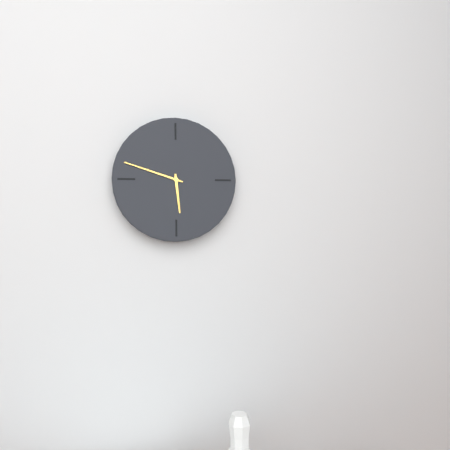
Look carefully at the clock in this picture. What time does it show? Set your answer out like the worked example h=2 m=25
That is h=5 m=48
